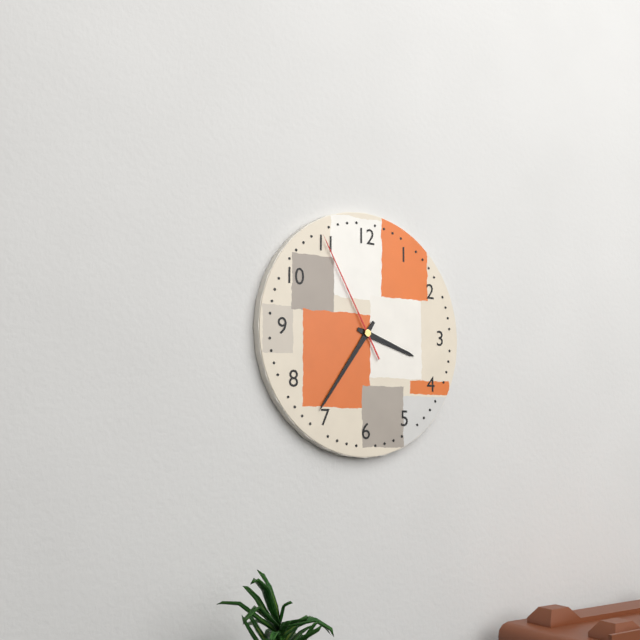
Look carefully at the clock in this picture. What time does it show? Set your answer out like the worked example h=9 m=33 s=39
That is h=3 m=36 s=55
